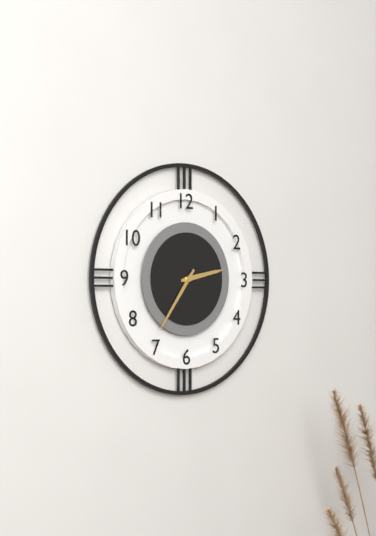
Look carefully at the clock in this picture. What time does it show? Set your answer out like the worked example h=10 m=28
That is h=2 m=36
